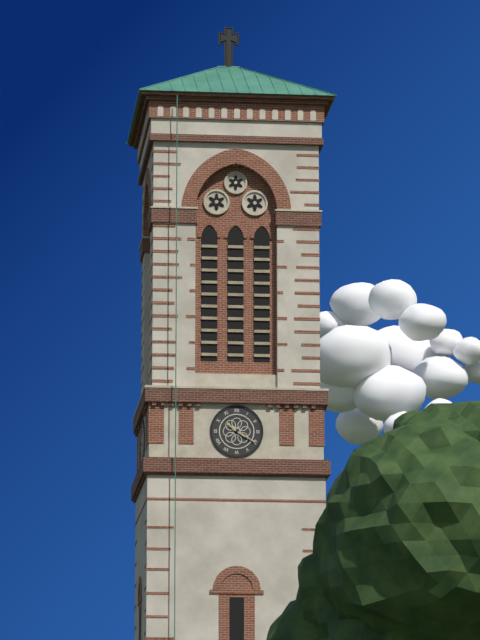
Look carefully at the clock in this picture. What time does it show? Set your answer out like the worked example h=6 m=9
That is h=10 m=20
